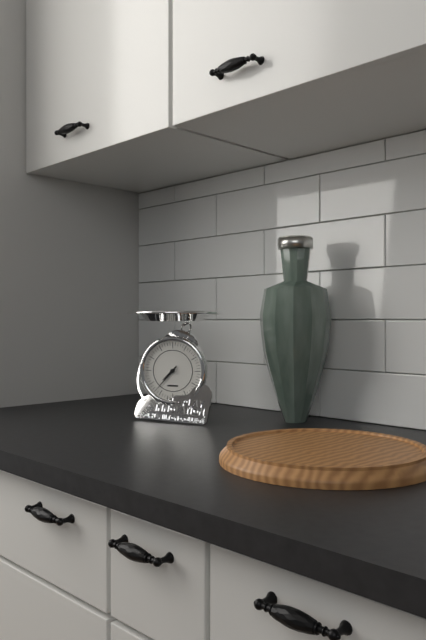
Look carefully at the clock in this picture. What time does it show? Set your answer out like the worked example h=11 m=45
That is h=7 m=37
